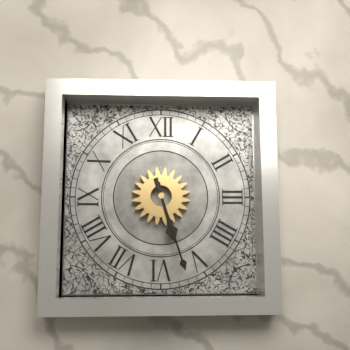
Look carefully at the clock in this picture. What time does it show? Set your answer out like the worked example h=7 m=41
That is h=5 m=27
